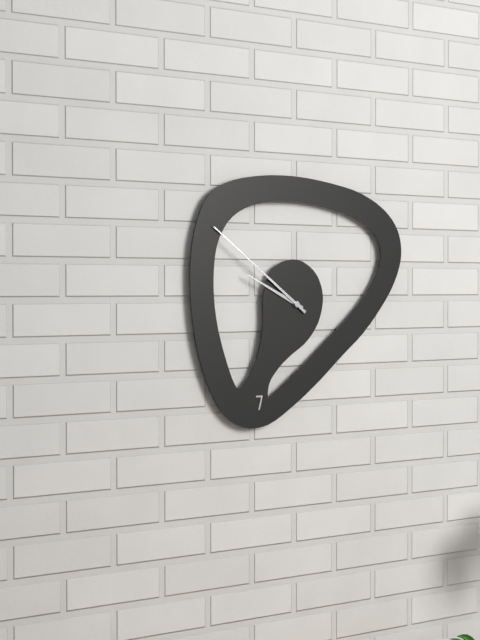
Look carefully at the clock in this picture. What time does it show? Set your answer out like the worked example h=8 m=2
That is h=9 m=51
